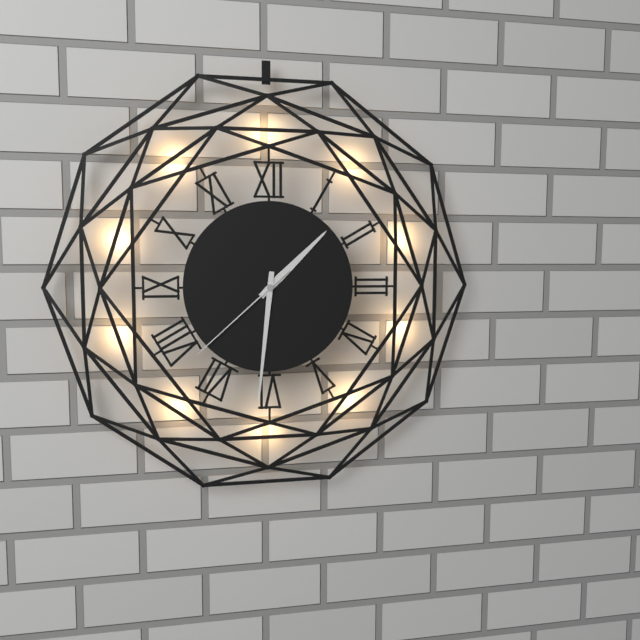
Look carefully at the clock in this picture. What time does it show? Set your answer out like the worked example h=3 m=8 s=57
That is h=1 m=31 s=38
